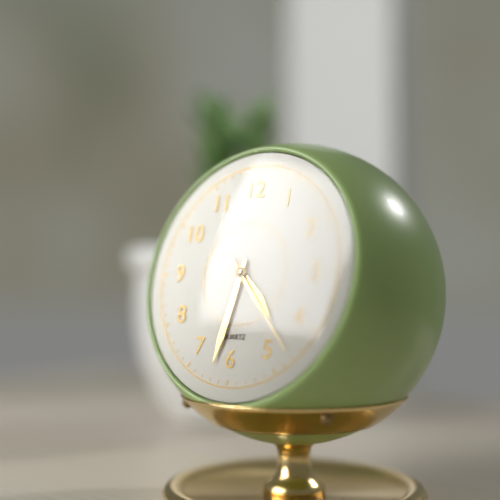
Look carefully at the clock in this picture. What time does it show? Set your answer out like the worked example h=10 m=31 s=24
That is h=4 m=32 s=23
